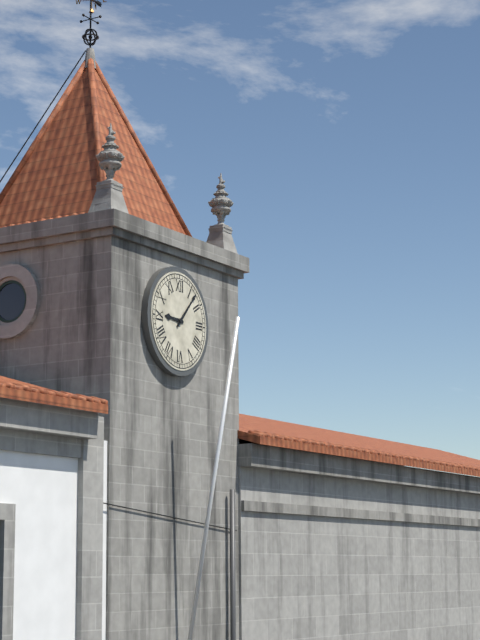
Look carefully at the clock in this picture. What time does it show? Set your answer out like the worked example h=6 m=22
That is h=9 m=7
